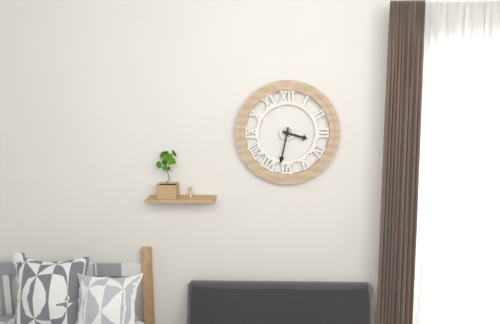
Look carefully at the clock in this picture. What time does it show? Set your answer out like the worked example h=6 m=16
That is h=3 m=32
